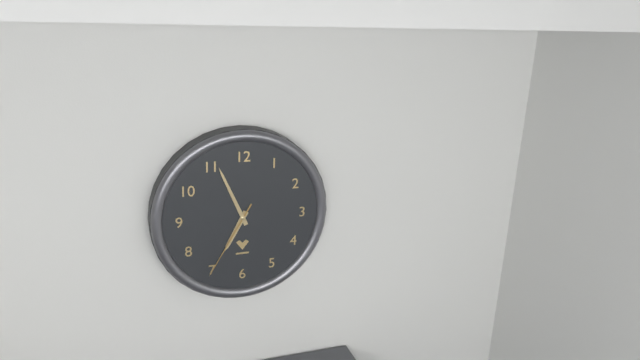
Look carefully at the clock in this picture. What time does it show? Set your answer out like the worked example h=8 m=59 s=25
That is h=6 m=56 s=35
